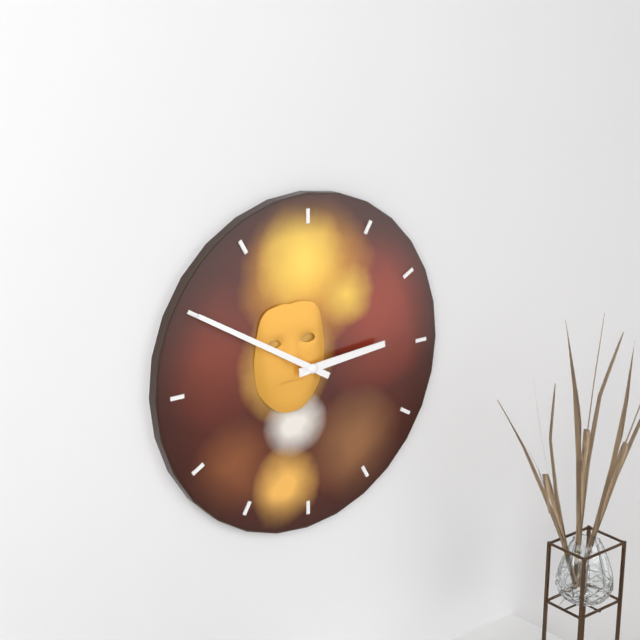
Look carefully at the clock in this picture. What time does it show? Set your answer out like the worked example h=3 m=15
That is h=2 m=50
